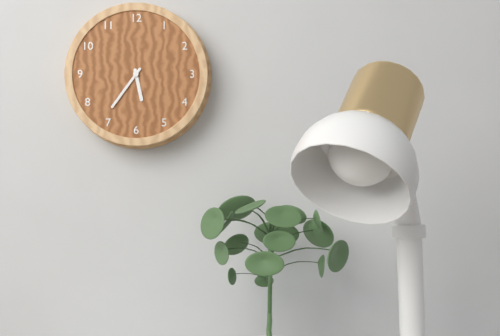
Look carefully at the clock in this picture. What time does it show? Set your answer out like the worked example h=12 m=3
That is h=5 m=36
